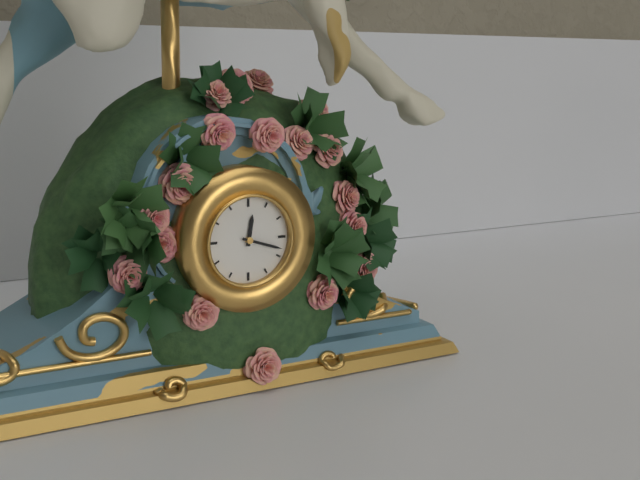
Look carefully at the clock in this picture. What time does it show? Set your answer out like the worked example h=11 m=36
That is h=12 m=18
